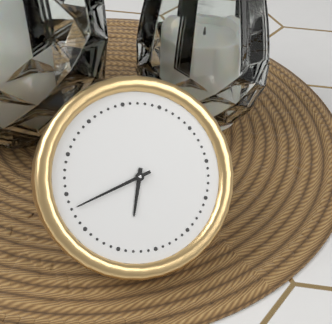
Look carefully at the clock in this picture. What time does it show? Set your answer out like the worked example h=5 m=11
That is h=6 m=43
